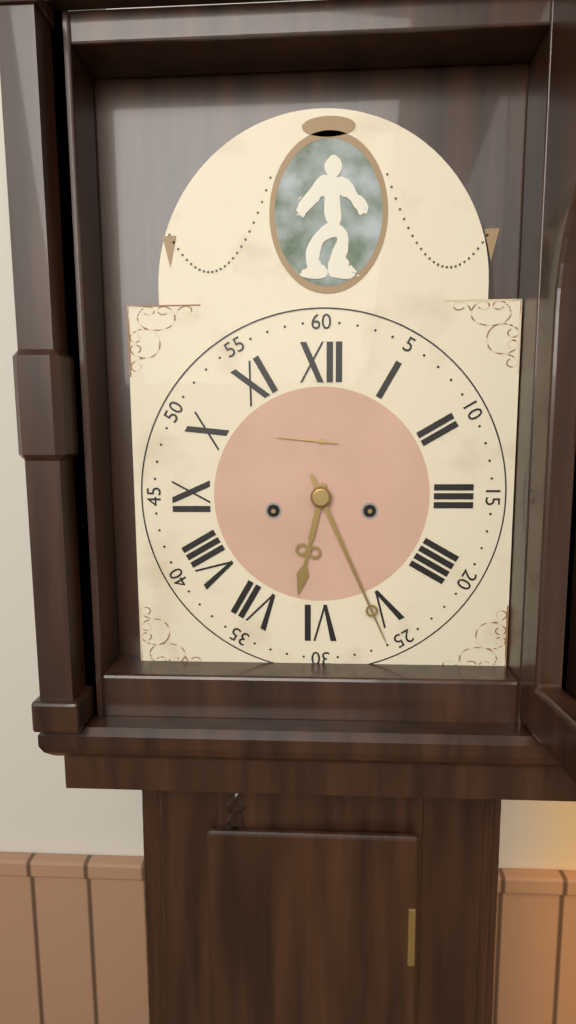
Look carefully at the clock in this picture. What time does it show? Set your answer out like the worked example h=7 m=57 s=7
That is h=6 m=26 s=46
